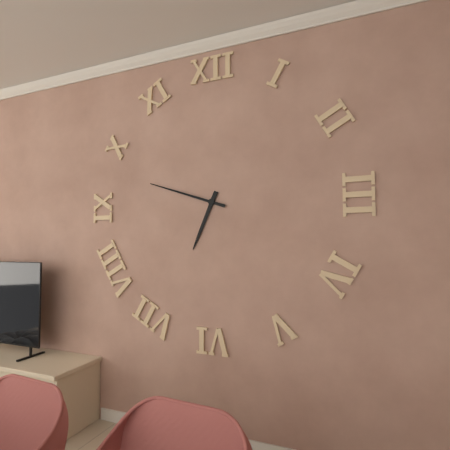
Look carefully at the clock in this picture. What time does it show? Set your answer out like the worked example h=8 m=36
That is h=6 m=48
